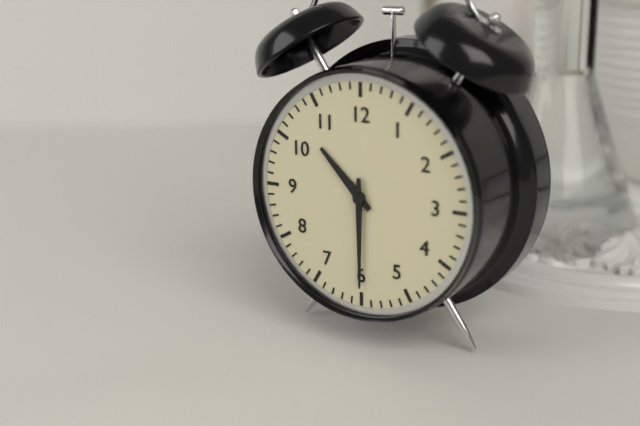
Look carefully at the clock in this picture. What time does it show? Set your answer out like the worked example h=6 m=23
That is h=10 m=30
